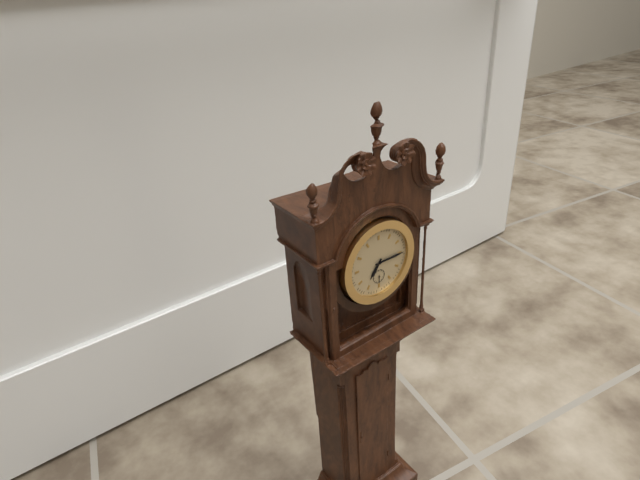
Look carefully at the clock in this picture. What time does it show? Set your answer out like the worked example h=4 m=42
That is h=7 m=15
